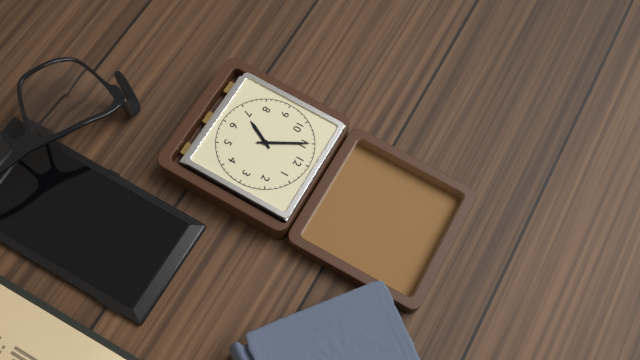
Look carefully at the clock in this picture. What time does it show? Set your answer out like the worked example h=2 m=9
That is h=6 m=55
